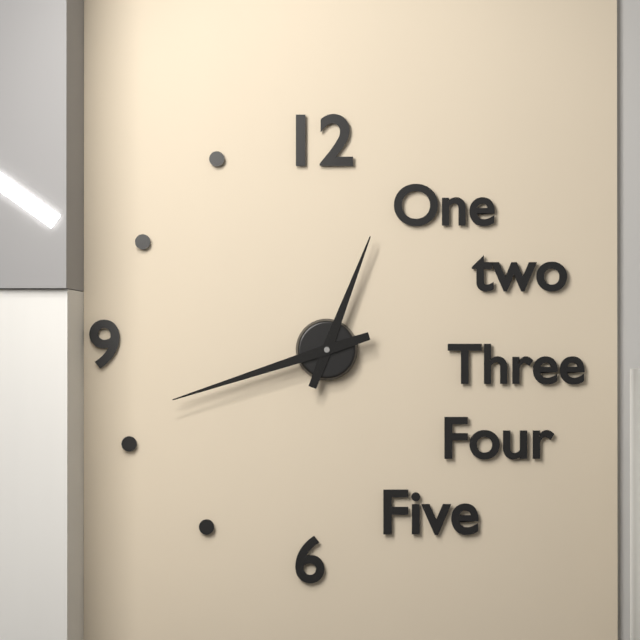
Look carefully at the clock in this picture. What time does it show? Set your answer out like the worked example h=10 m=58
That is h=12 m=42
